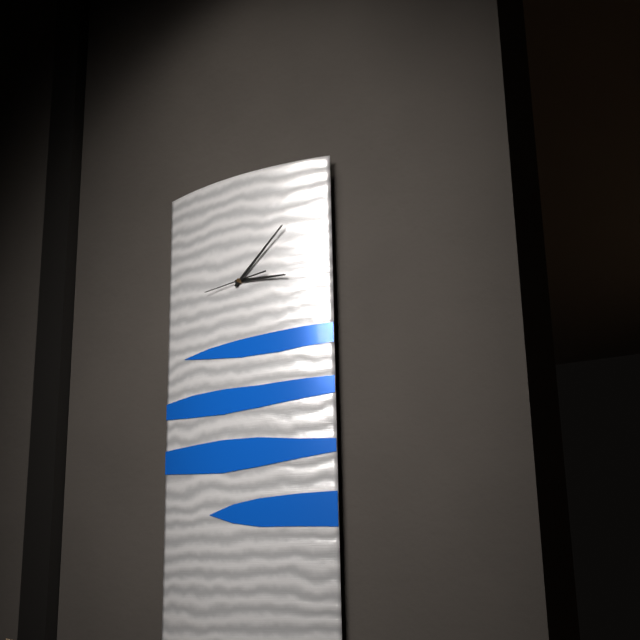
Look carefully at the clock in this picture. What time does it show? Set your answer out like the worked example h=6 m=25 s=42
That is h=3 m=8 s=44
